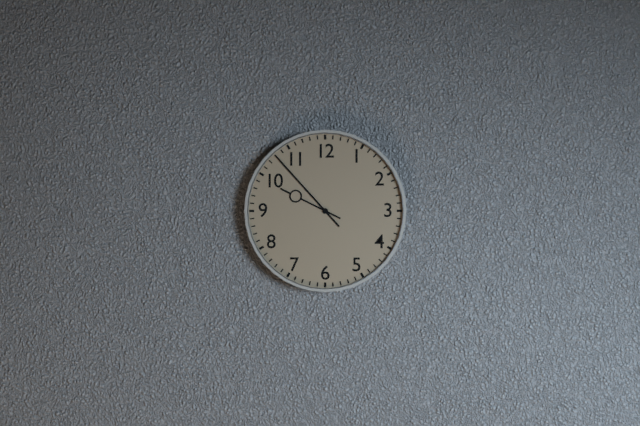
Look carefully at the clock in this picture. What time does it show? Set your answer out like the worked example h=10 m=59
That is h=9 m=53
